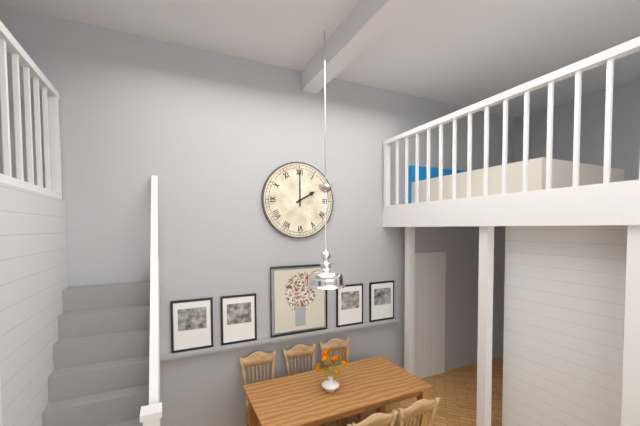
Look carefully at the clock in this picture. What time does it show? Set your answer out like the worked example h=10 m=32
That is h=2 m=0
